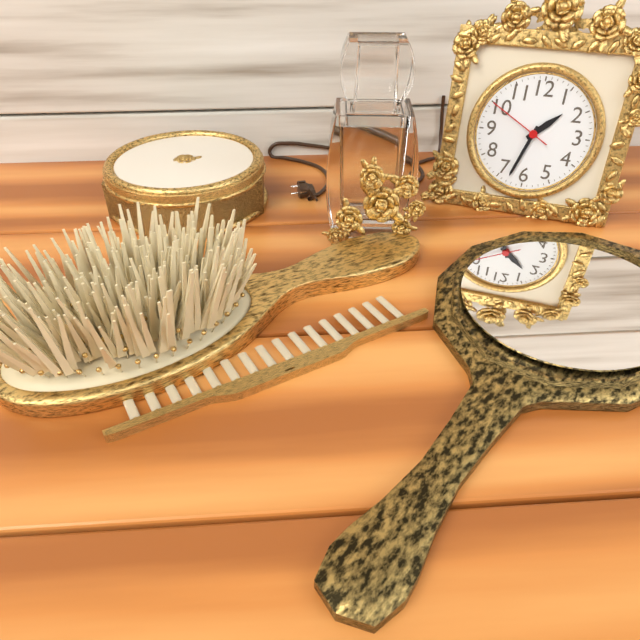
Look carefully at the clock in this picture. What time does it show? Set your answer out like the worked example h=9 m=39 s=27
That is h=1 m=33 s=50
